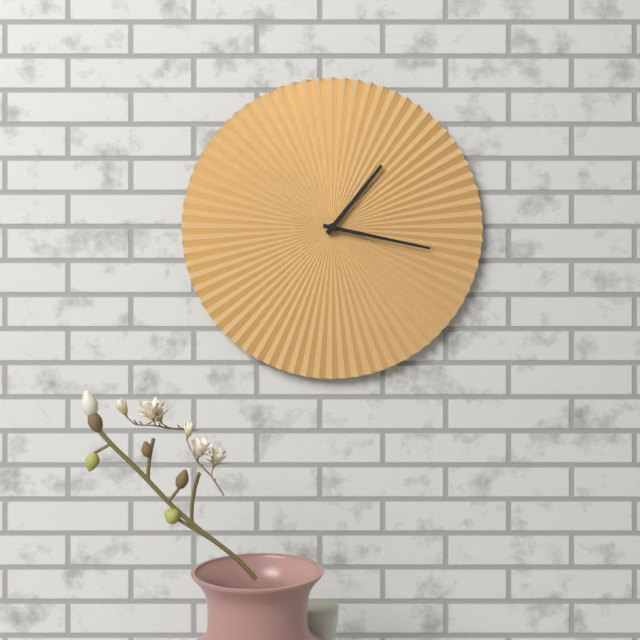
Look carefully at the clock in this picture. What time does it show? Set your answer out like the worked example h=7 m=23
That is h=1 m=17
